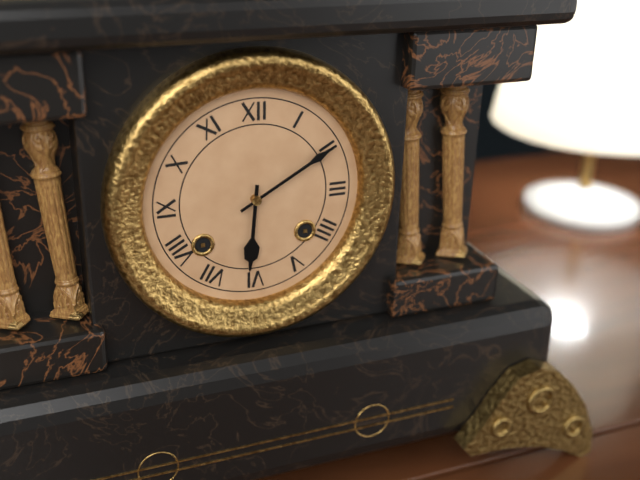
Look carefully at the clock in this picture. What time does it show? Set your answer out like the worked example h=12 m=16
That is h=6 m=10
